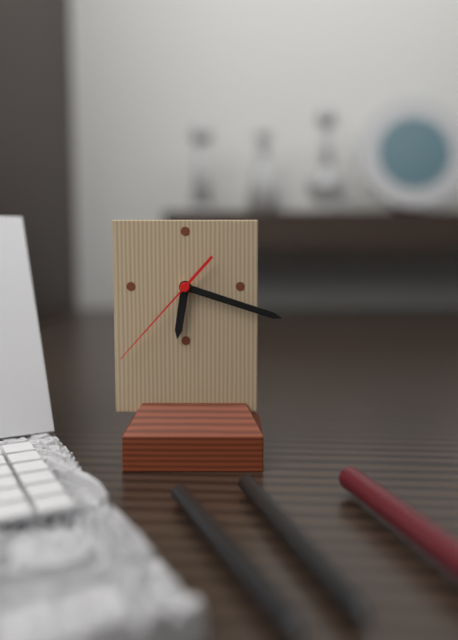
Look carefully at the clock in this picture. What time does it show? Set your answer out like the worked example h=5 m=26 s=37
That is h=6 m=18 s=37
